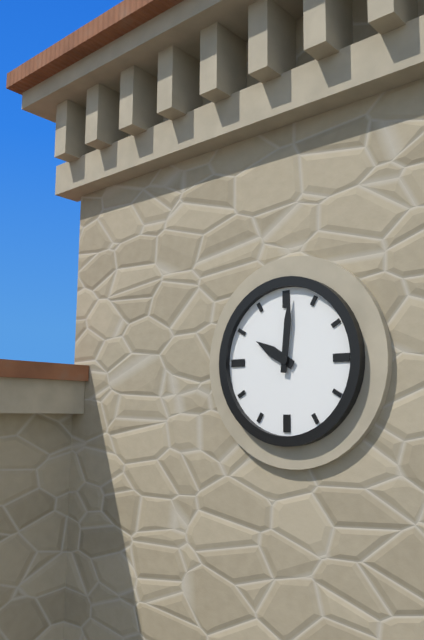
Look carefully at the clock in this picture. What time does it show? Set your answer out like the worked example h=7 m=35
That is h=10 m=1
